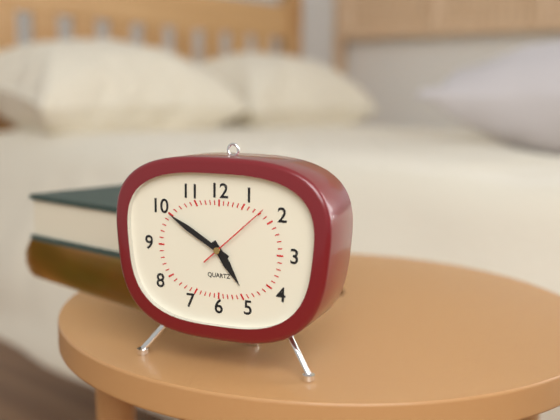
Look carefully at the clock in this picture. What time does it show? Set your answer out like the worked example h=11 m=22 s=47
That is h=4 m=50 s=8
